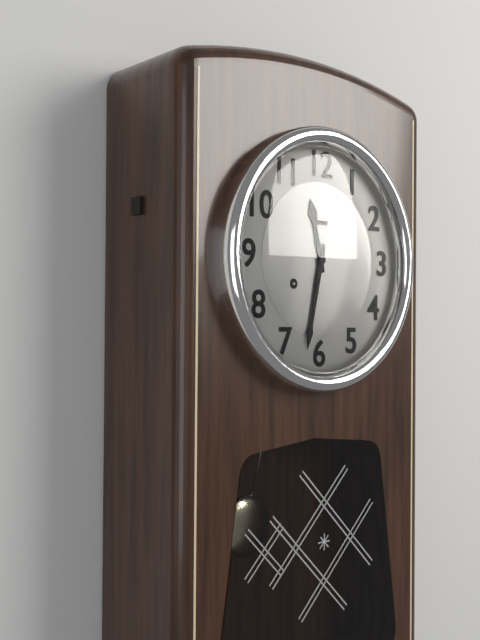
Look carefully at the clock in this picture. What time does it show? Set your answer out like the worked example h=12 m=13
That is h=11 m=32
